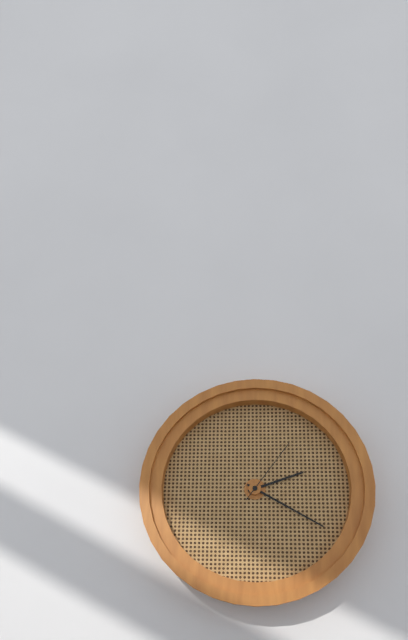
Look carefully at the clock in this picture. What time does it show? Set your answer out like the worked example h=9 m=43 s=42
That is h=2 m=20 s=6
